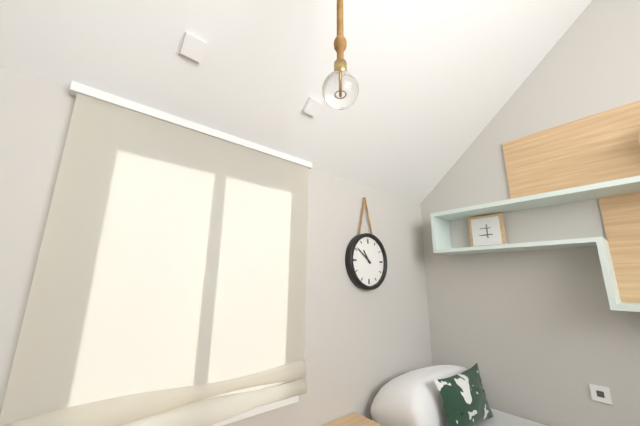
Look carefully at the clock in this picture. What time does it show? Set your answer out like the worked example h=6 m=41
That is h=10 m=51
